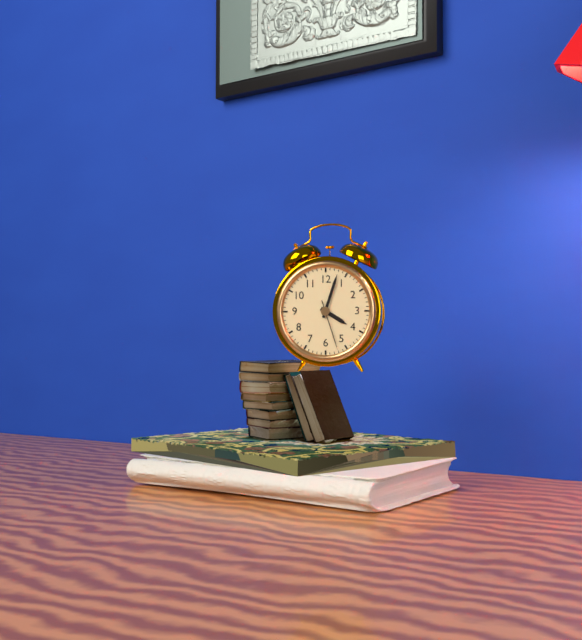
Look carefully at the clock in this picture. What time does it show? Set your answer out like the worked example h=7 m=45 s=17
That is h=4 m=3 s=27
